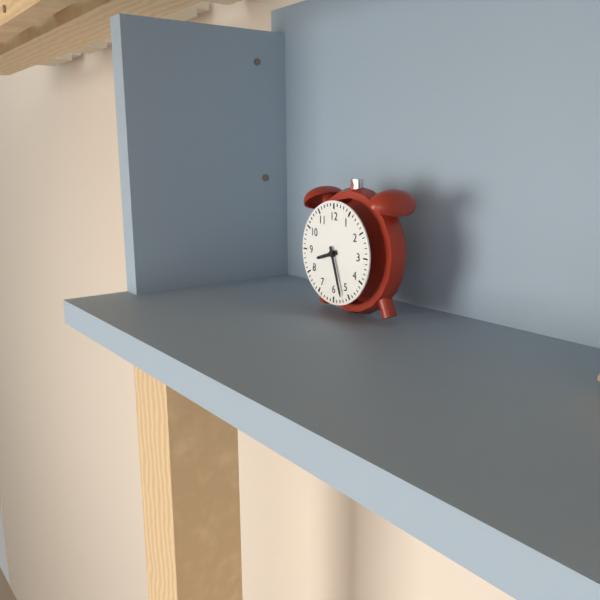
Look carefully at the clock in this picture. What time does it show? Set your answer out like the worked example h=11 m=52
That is h=8 m=27
